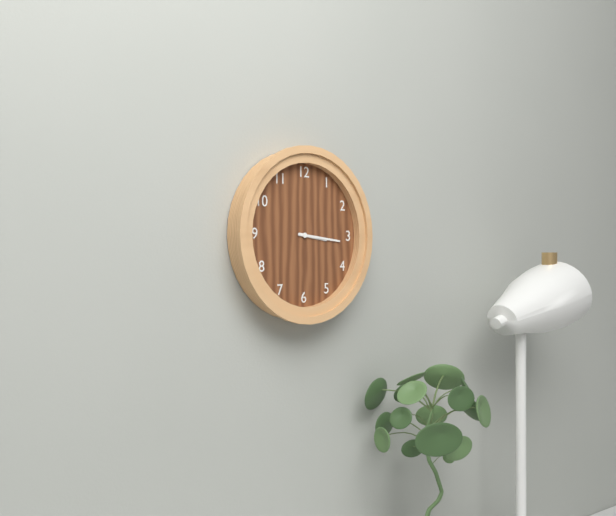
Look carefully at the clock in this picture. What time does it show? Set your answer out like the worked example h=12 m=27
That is h=3 m=16
